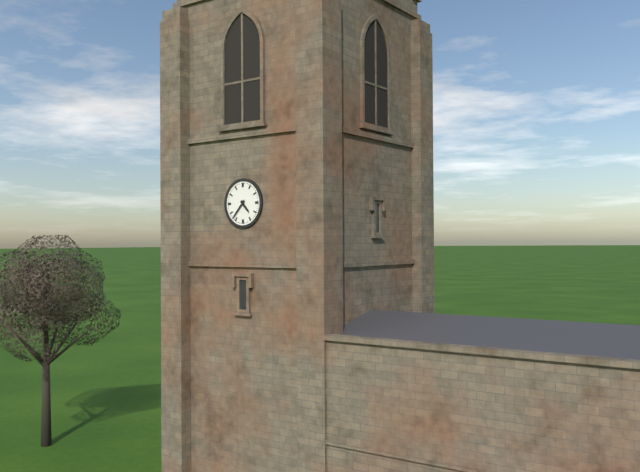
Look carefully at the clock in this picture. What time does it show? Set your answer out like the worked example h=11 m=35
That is h=4 m=37
